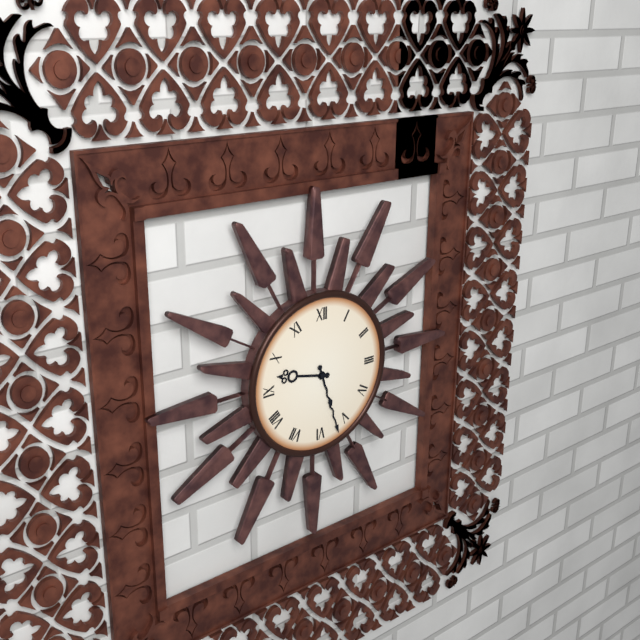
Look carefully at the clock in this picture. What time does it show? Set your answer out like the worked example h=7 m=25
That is h=9 m=27
